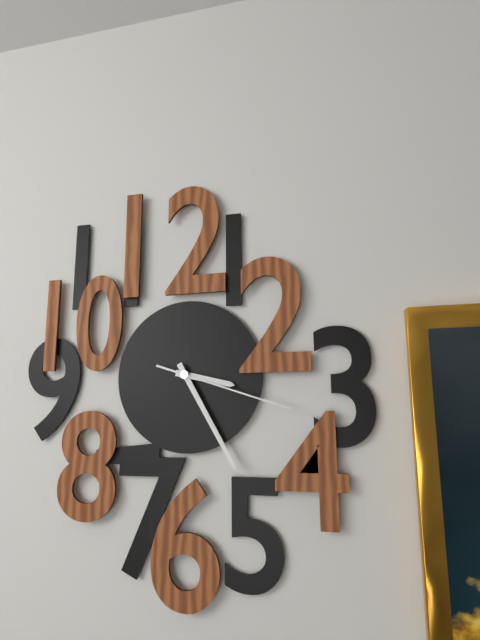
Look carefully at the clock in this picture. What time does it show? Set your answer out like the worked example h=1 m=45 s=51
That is h=3 m=25 s=18
